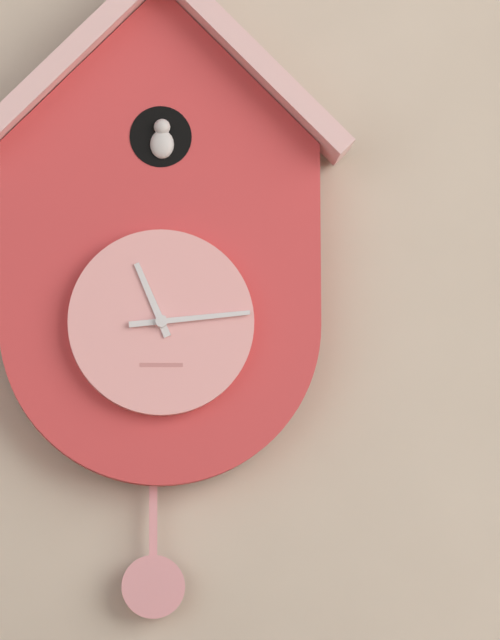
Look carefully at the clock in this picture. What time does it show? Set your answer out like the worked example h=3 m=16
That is h=11 m=14
